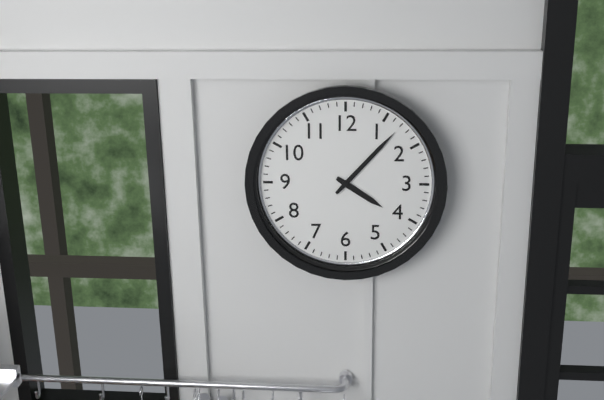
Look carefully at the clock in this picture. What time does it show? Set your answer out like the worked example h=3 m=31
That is h=4 m=7
